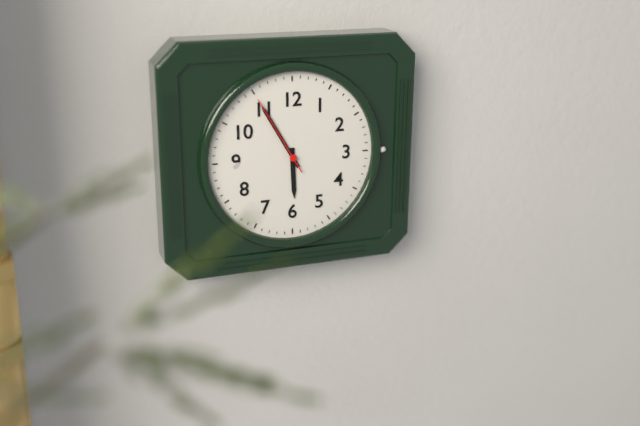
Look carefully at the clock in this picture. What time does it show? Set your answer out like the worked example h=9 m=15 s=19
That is h=5 m=55 s=55
